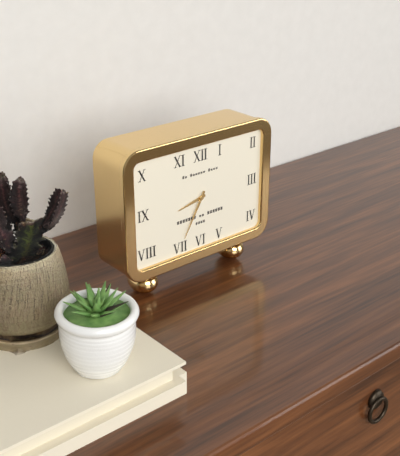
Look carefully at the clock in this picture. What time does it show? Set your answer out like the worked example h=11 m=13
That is h=8 m=35
